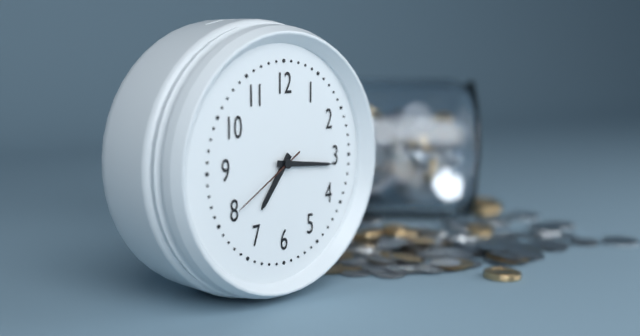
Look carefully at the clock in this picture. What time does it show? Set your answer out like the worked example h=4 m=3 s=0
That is h=7 m=16 s=40
